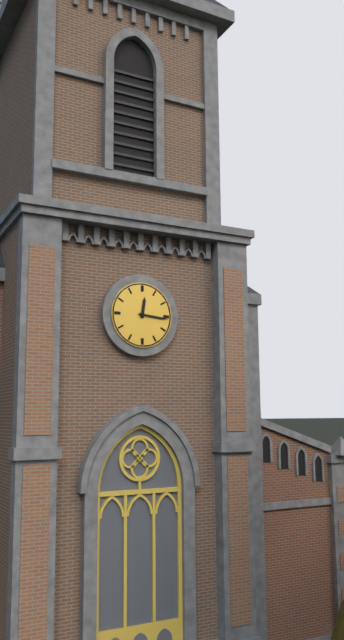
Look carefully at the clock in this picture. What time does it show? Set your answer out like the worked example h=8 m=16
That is h=12 m=16
